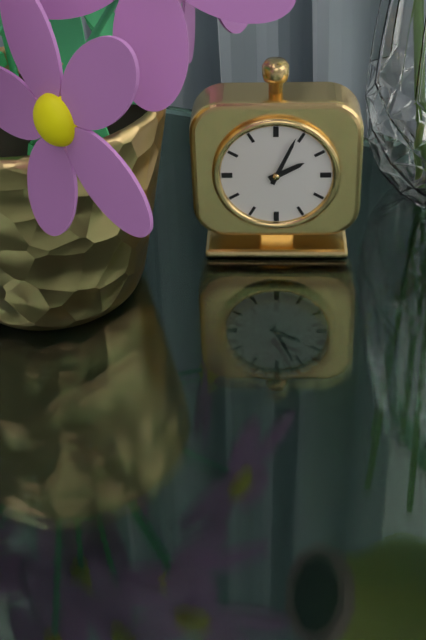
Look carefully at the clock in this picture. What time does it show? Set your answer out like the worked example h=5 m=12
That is h=2 m=4
